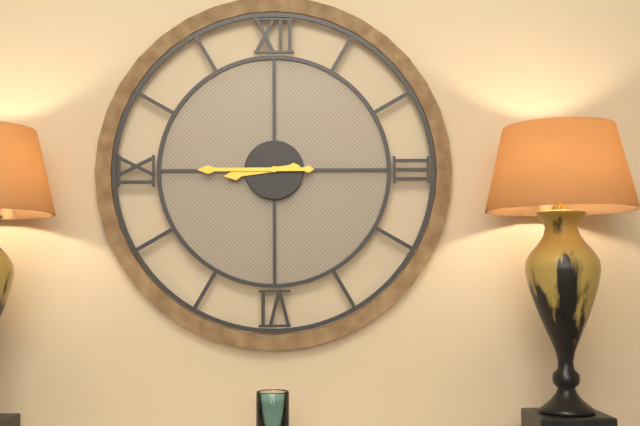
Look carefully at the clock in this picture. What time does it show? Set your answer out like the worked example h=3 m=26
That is h=8 m=45
